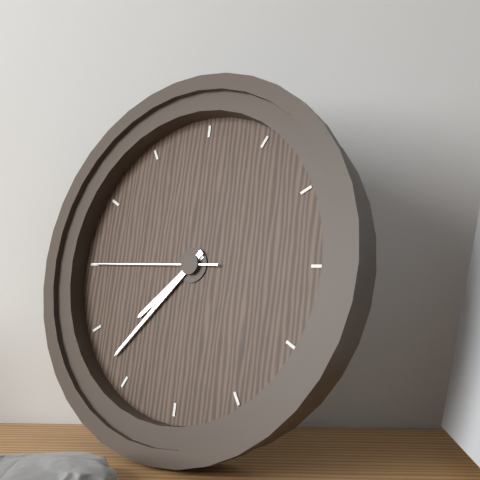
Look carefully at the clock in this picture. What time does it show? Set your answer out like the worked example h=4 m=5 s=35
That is h=7 m=37 s=45
